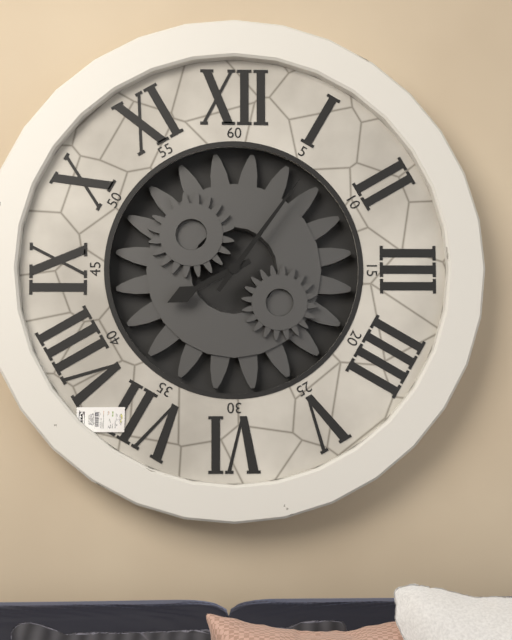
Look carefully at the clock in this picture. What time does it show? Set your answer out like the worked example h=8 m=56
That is h=8 m=6
